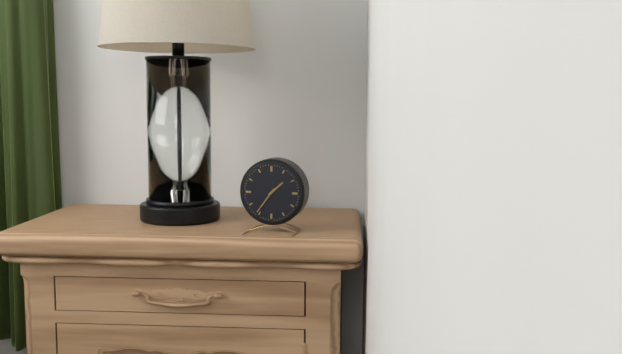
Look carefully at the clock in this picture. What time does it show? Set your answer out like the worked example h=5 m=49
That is h=1 m=36
